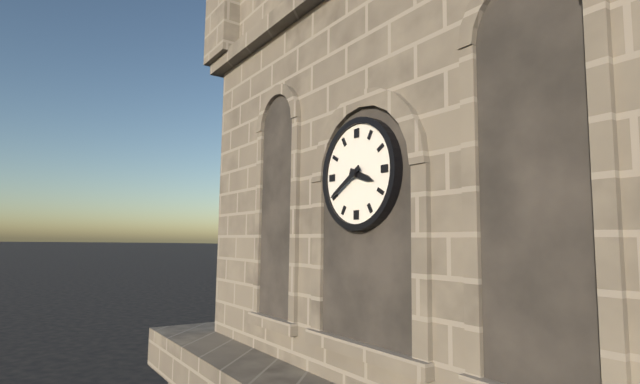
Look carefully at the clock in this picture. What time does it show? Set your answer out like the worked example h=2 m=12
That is h=3 m=40
